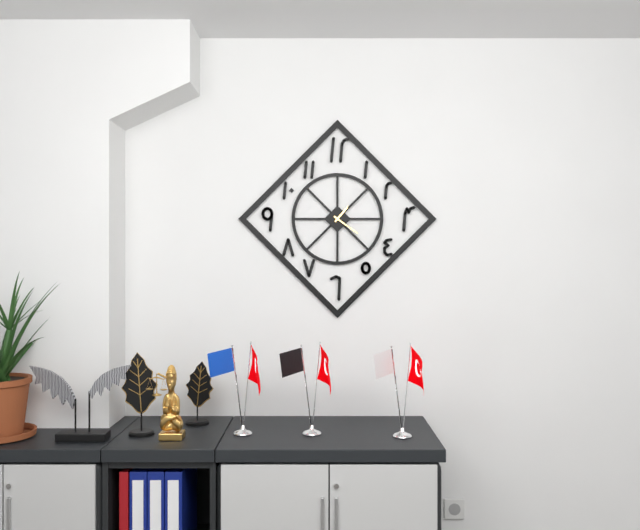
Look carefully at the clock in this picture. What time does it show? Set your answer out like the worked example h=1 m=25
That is h=1 m=21
